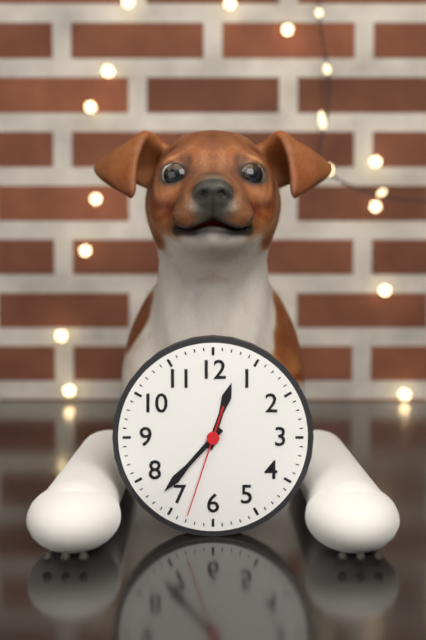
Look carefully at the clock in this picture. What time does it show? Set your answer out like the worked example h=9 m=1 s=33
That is h=12 m=37 s=33
